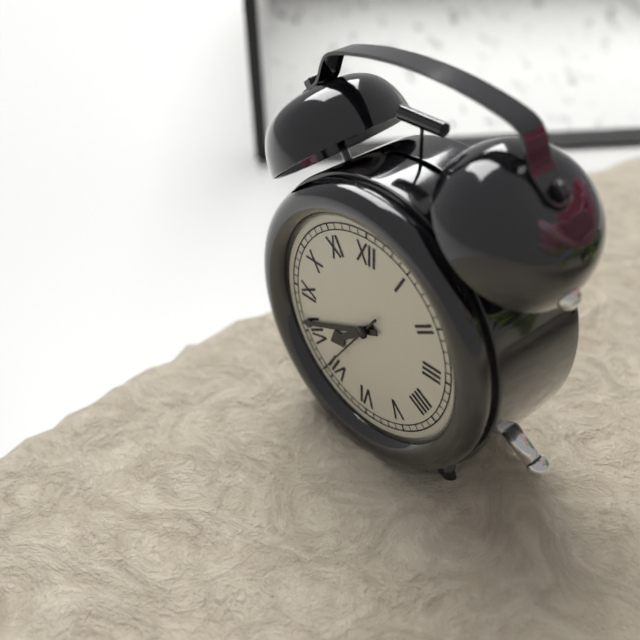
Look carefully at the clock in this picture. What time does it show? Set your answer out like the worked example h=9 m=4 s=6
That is h=7 m=41 s=36
